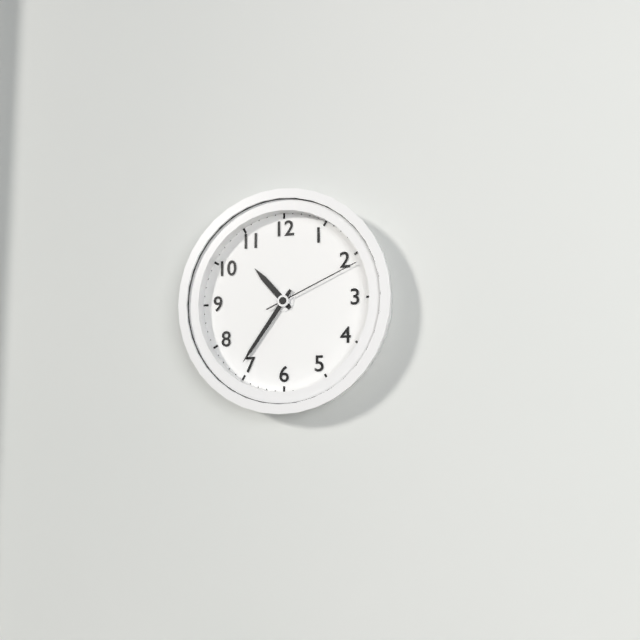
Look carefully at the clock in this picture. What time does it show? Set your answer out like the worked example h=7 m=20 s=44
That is h=10 m=36 s=11
